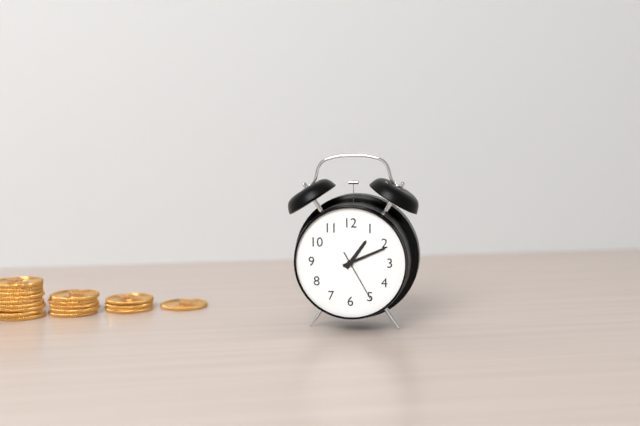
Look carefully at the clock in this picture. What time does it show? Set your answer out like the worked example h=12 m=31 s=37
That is h=1 m=11 s=25
